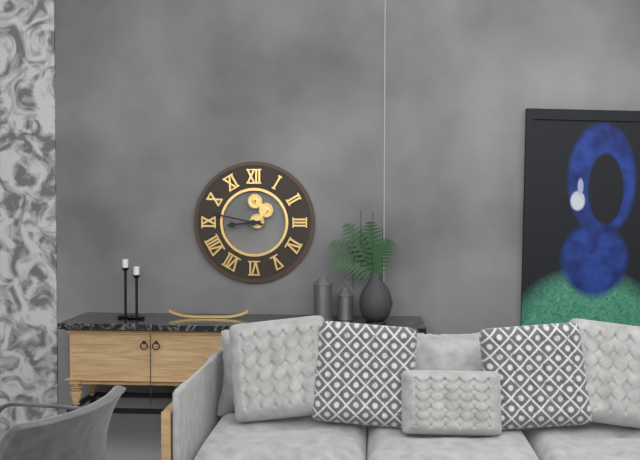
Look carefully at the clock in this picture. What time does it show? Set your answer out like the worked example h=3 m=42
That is h=8 m=47
